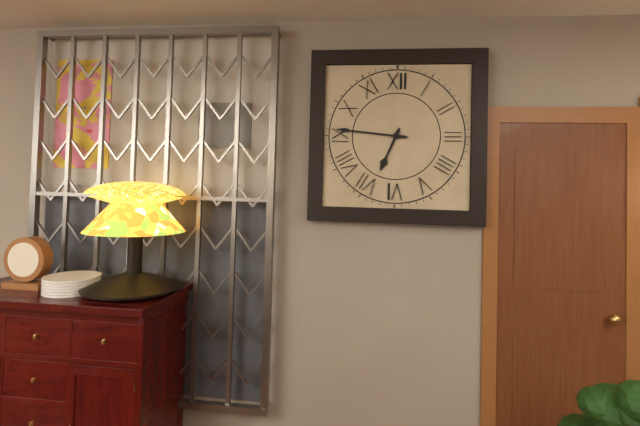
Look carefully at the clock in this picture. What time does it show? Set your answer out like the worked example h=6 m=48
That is h=6 m=46
